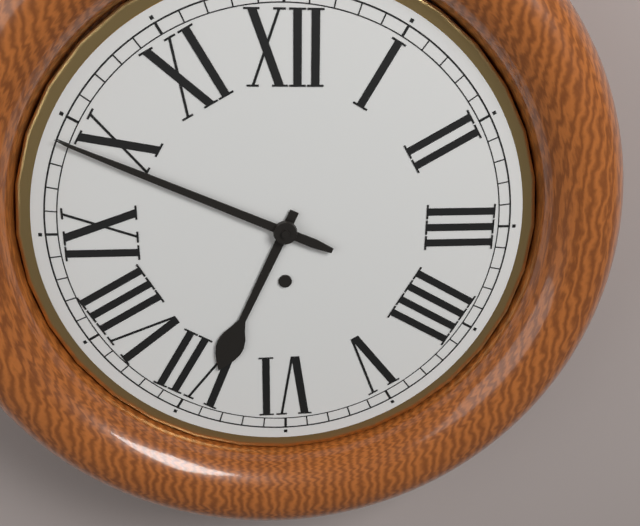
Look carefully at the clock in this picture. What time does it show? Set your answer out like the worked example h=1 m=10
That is h=6 m=49
